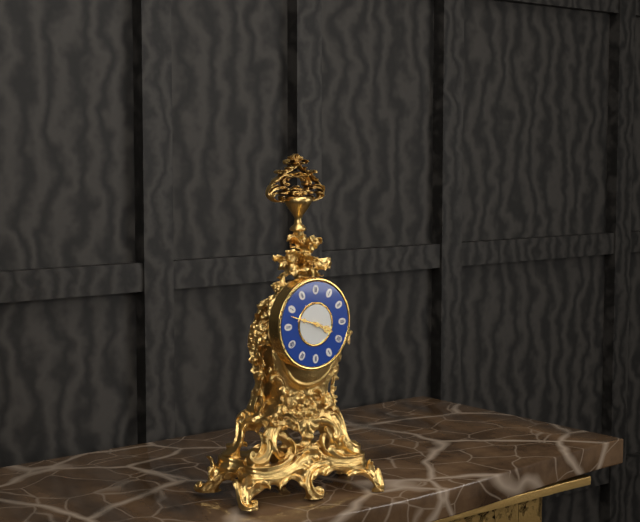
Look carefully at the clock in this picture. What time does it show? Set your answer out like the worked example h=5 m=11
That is h=3 m=48
